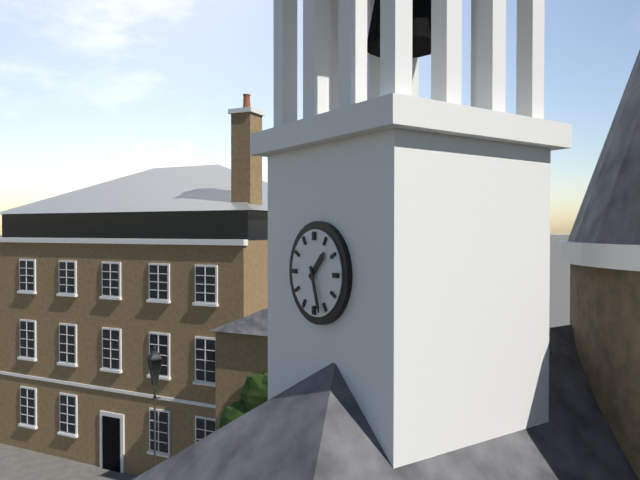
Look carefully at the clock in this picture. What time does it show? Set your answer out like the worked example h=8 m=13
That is h=1 m=27
